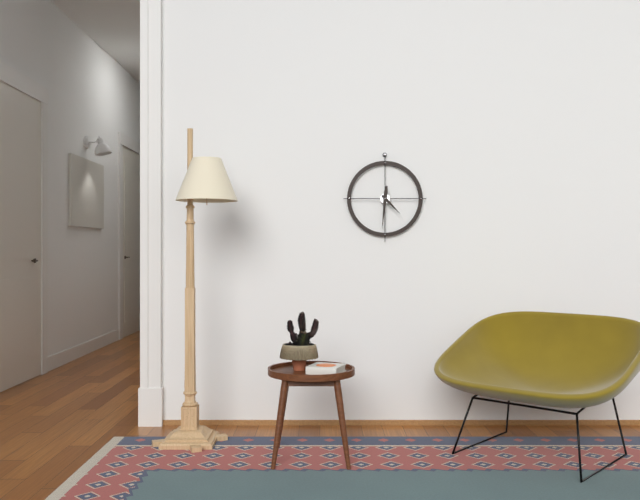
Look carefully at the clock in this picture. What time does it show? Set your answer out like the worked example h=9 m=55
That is h=4 m=31
